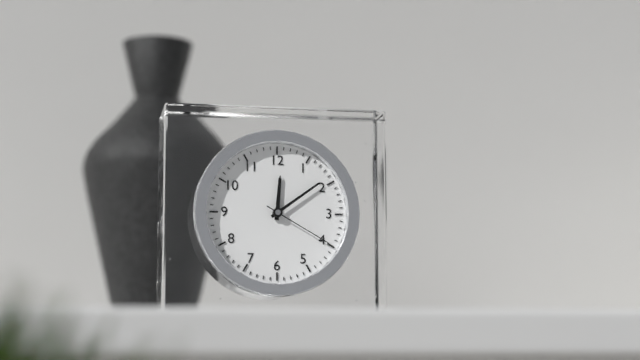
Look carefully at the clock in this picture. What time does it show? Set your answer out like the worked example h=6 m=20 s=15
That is h=12 m=9 s=20
